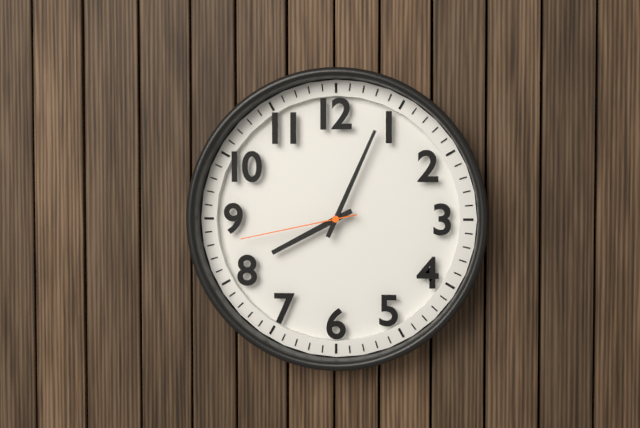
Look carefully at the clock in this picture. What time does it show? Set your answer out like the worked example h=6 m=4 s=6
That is h=8 m=4 s=43
